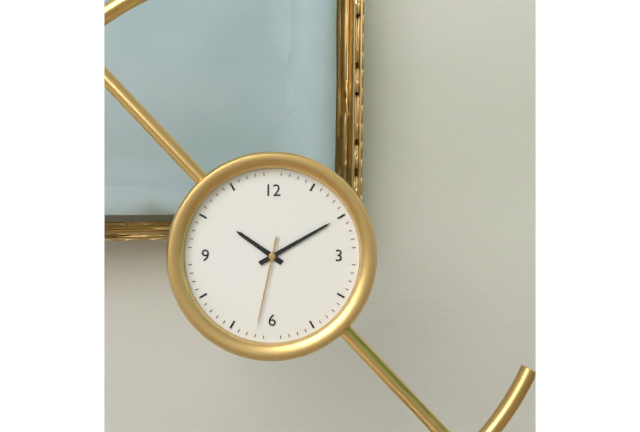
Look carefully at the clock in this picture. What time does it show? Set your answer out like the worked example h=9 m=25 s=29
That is h=10 m=10 s=32
